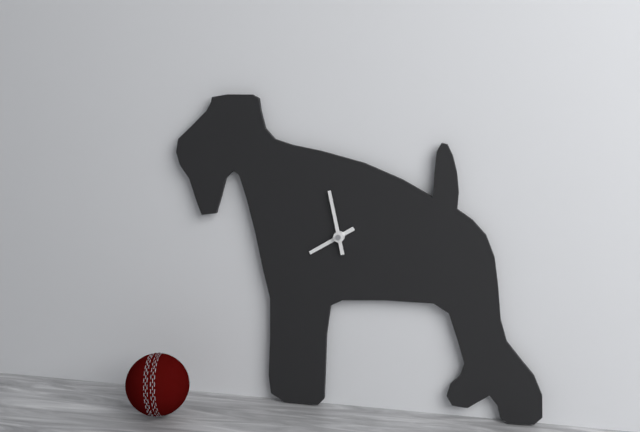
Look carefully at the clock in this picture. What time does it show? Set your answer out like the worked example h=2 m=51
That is h=7 m=58
